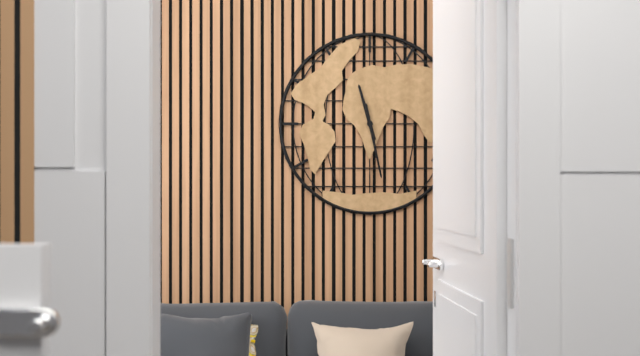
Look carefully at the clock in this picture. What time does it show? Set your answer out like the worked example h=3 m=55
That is h=11 m=28
